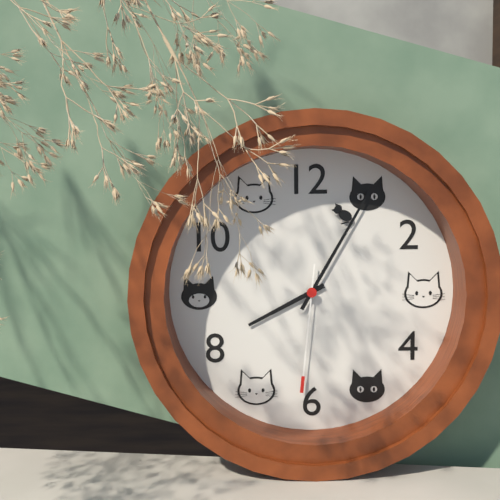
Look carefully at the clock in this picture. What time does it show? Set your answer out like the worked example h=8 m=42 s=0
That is h=8 m=5 s=31
